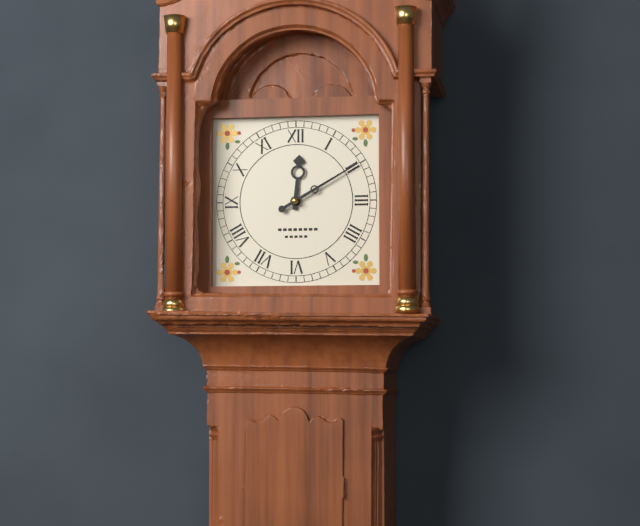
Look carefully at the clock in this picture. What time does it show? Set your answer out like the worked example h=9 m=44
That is h=12 m=10
